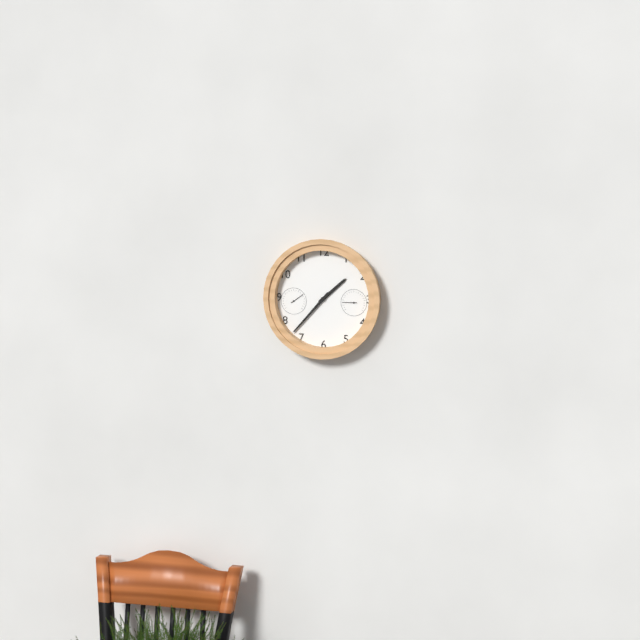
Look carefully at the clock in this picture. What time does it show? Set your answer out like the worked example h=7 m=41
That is h=1 m=37
